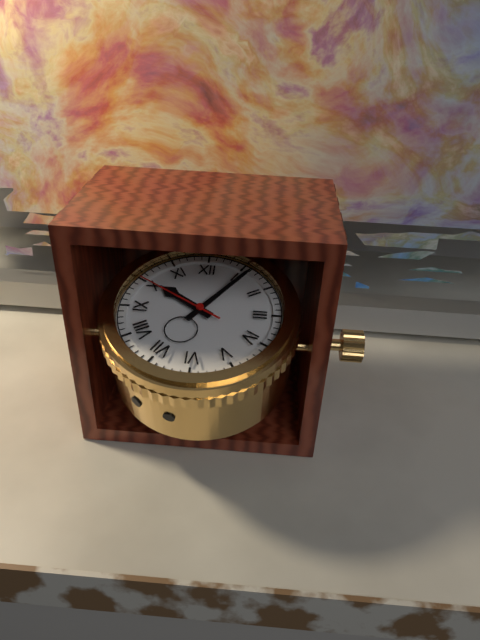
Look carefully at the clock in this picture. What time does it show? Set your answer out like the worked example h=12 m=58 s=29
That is h=10 m=6 s=50
